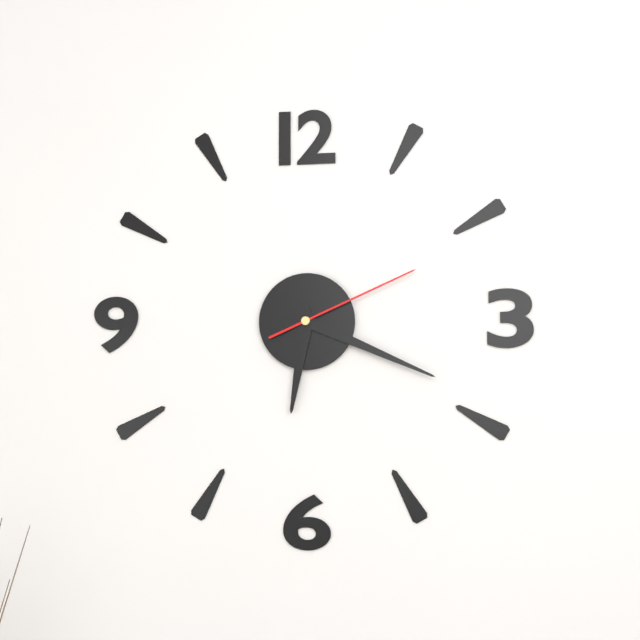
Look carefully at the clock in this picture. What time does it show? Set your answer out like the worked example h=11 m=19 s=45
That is h=6 m=19 s=11
